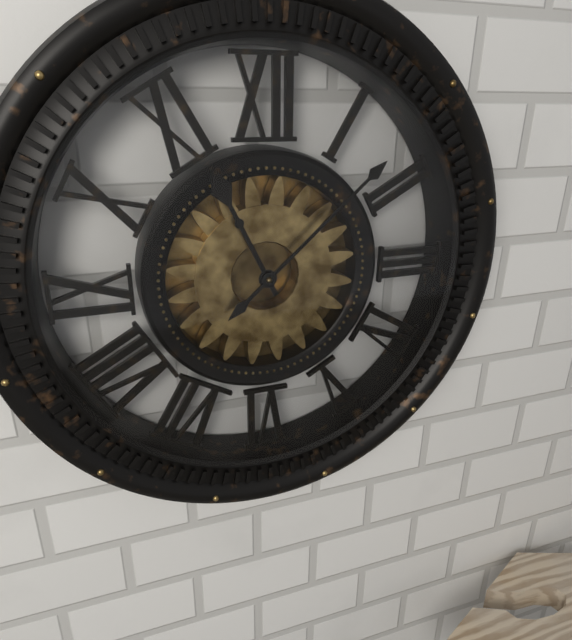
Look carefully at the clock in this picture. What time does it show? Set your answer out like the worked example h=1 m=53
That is h=11 m=8
